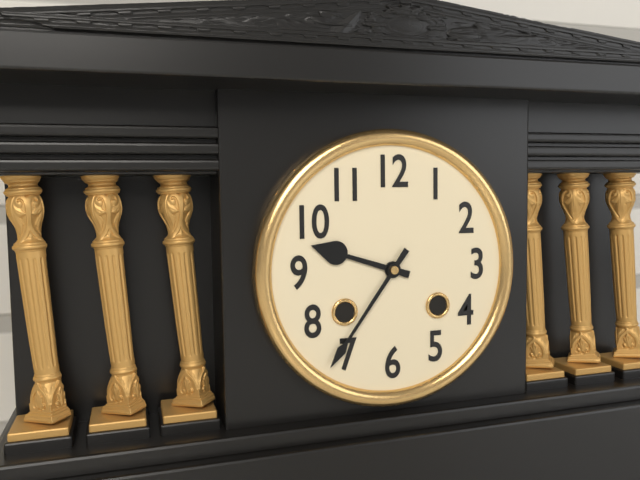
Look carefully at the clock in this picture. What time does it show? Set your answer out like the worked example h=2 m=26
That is h=9 m=36
